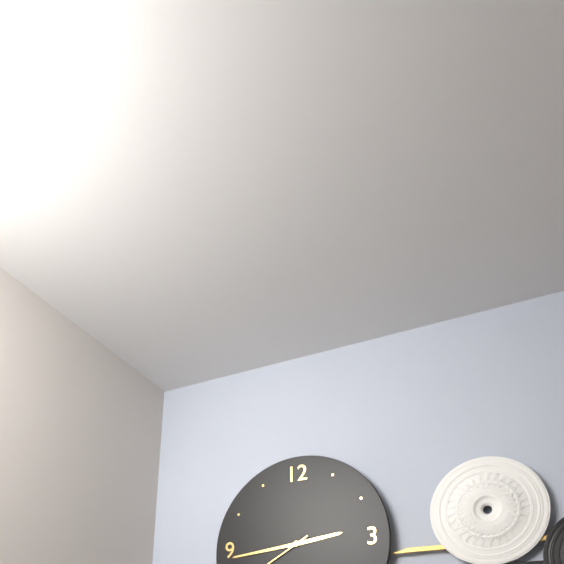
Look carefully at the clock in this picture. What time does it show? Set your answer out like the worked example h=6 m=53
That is h=2 m=44
